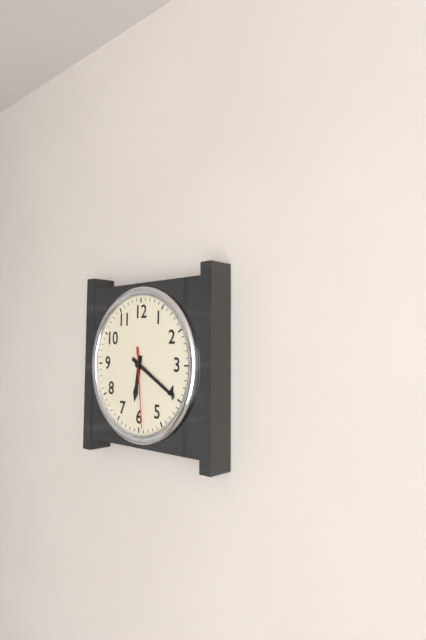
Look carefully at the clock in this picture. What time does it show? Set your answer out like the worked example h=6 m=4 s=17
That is h=6 m=20 s=29
